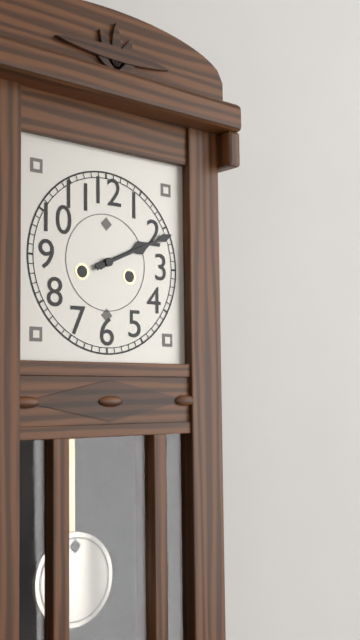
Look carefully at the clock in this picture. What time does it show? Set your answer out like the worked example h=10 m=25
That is h=2 m=11
